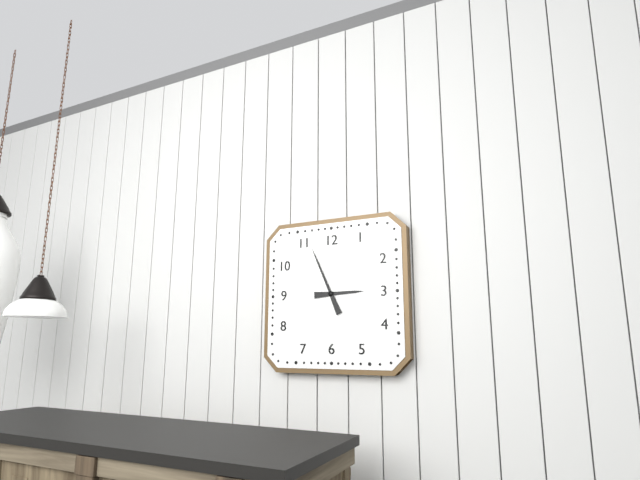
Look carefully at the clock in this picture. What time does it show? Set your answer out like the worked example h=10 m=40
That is h=2 m=56
